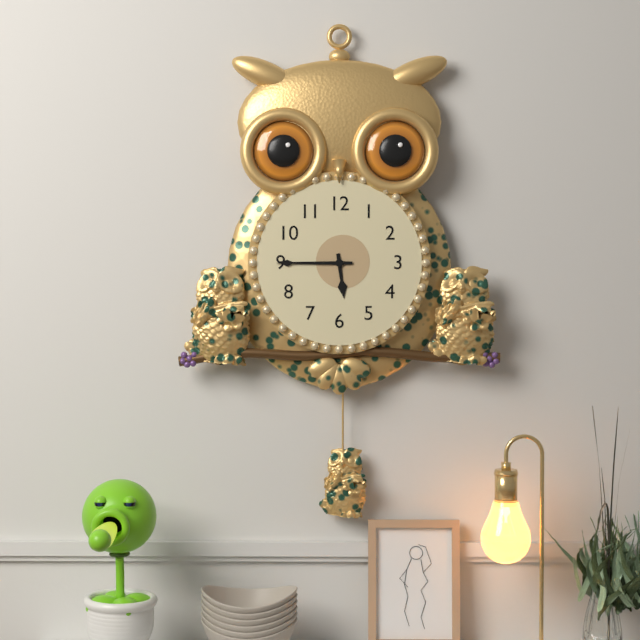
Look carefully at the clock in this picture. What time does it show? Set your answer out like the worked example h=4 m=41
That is h=5 m=45
